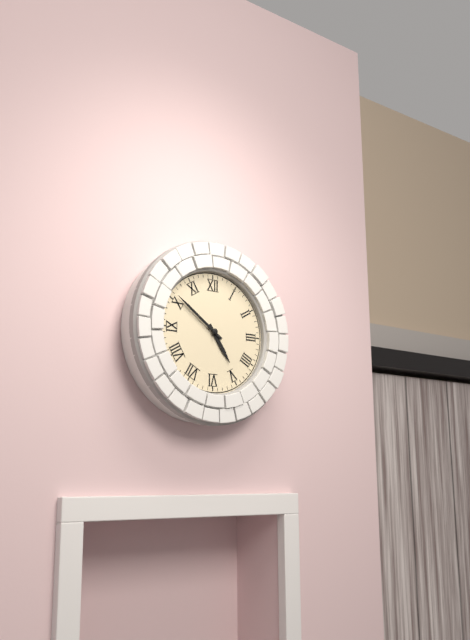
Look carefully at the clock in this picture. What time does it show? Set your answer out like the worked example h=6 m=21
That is h=4 m=51
